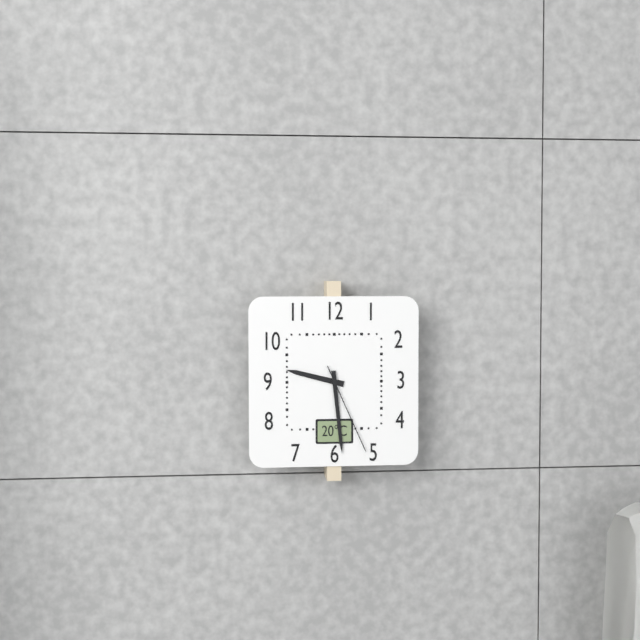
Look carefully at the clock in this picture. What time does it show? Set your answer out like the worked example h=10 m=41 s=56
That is h=9 m=29 s=26
